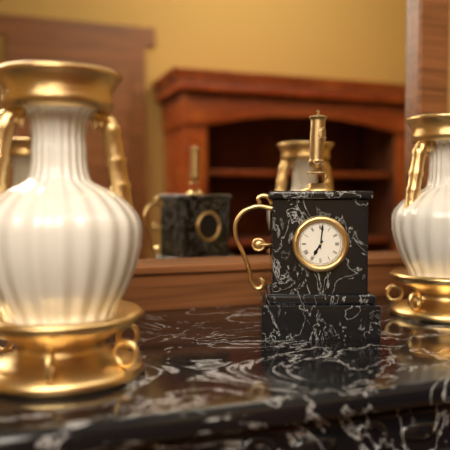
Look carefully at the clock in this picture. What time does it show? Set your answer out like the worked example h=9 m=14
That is h=7 m=1
